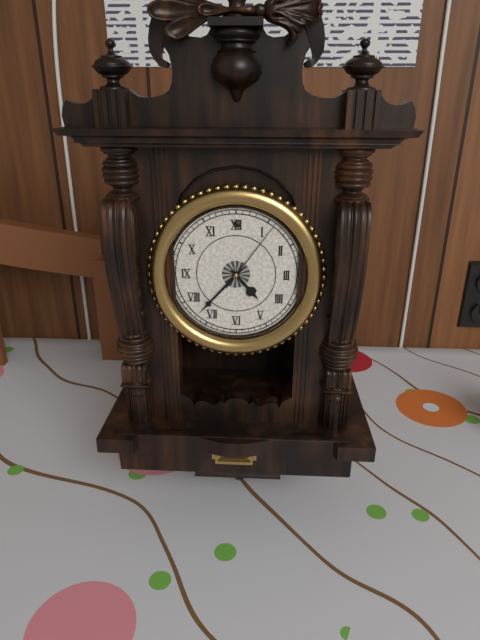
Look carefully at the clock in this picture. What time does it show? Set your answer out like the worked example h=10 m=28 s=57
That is h=4 m=37 s=6
